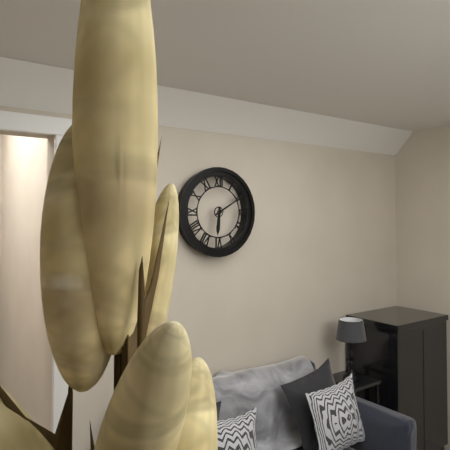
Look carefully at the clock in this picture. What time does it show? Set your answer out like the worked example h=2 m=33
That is h=6 m=10
